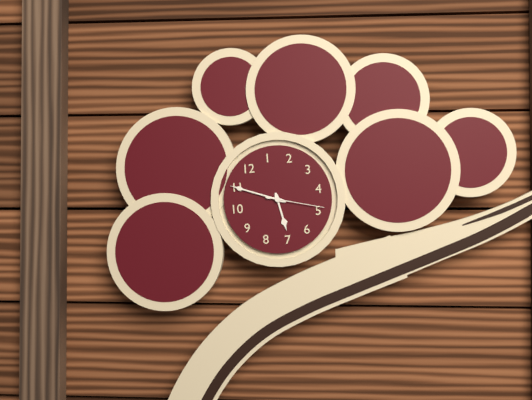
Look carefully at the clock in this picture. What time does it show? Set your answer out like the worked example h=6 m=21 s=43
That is h=6 m=55 s=24
